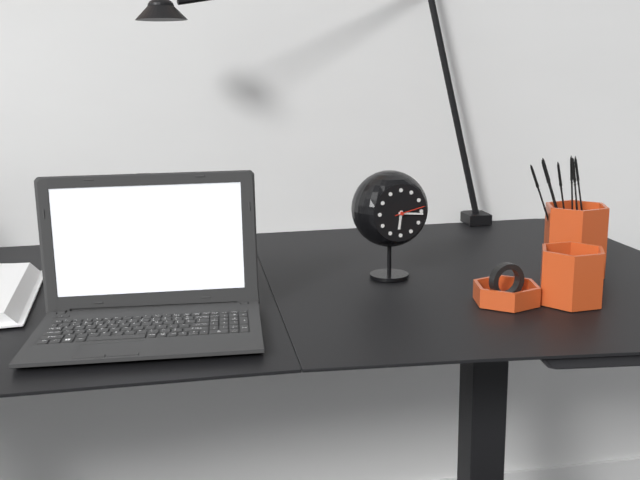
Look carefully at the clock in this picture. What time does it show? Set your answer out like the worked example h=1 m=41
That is h=6 m=16
